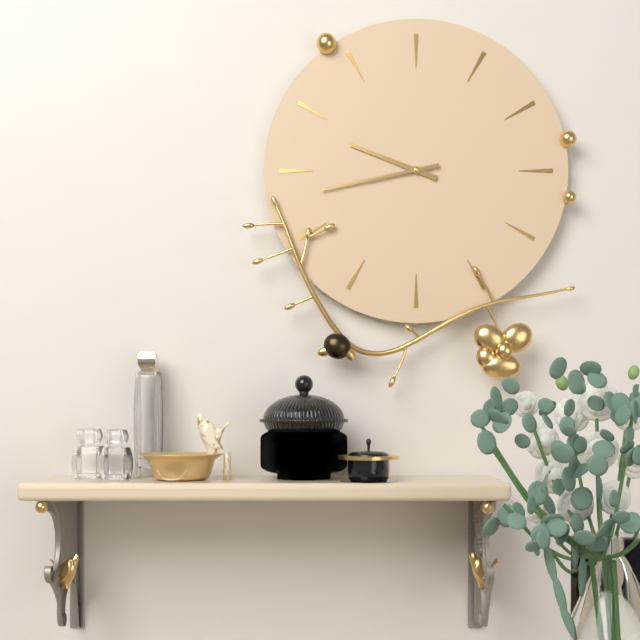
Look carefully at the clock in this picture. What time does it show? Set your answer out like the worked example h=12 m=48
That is h=9 m=43
